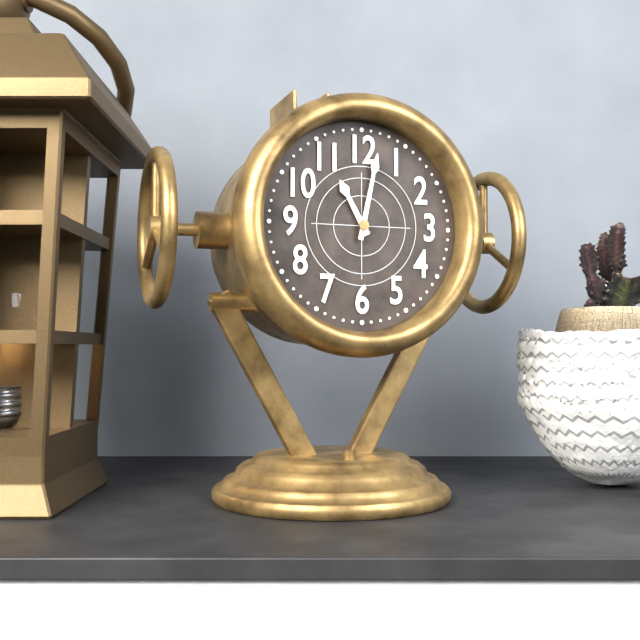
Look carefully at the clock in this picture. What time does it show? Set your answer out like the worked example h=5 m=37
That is h=11 m=2
